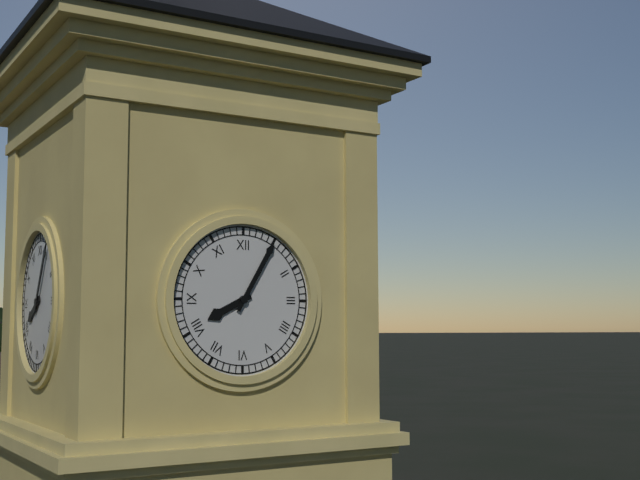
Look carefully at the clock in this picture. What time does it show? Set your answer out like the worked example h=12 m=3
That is h=8 m=5
